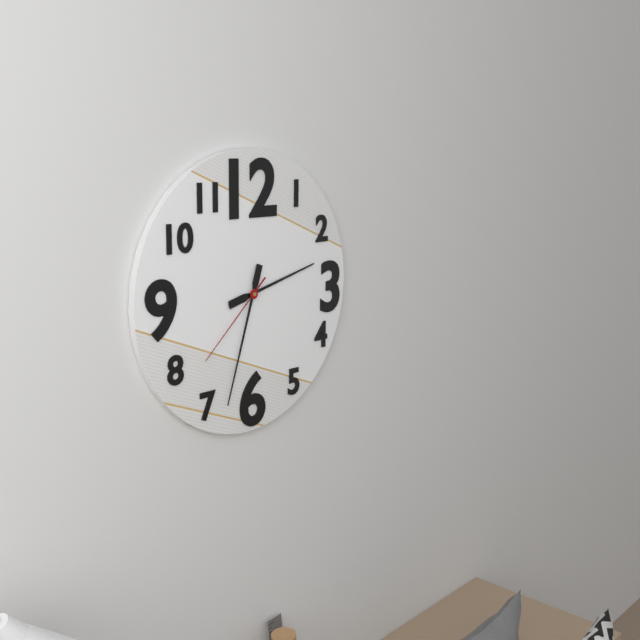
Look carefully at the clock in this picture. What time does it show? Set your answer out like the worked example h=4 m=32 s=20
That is h=2 m=33 s=38
